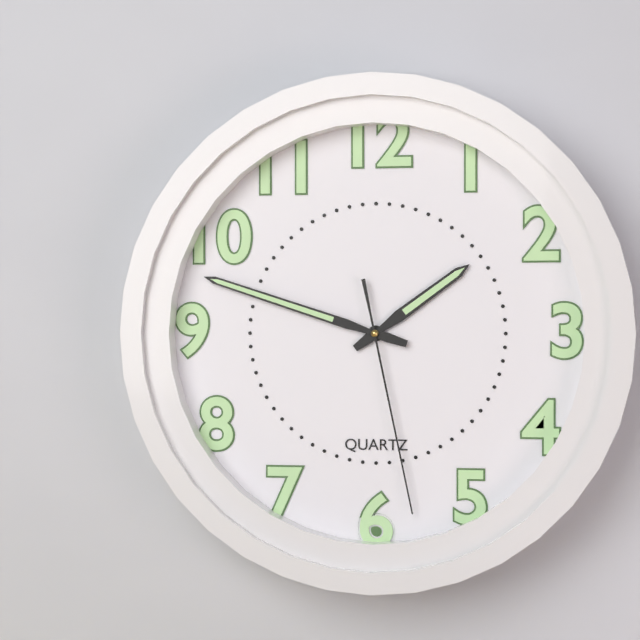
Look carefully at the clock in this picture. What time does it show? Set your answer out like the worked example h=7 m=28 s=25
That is h=1 m=48 s=28
